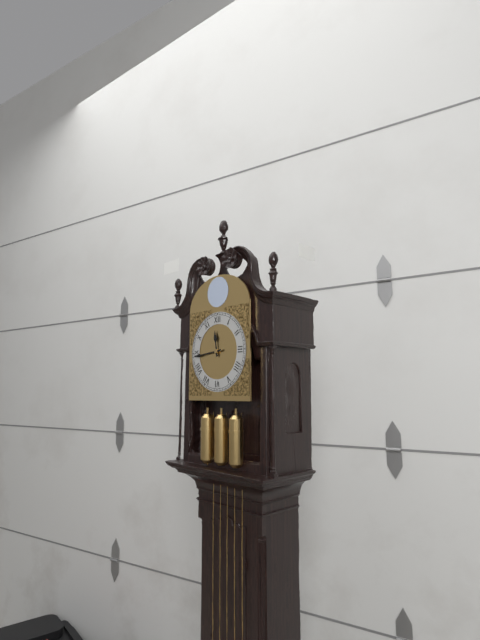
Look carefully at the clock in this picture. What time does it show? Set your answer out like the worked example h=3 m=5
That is h=11 m=44
